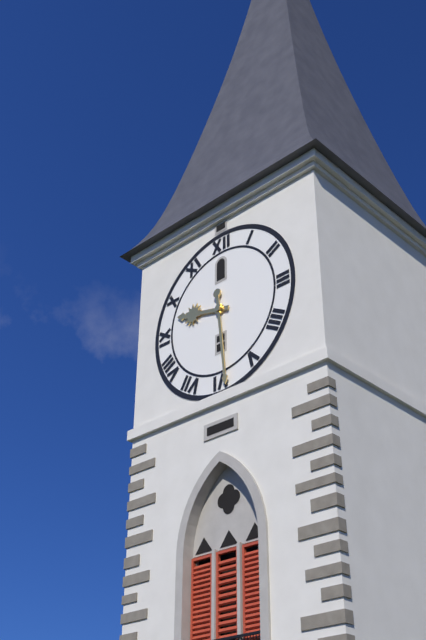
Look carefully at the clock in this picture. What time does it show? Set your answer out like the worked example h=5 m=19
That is h=9 m=29
